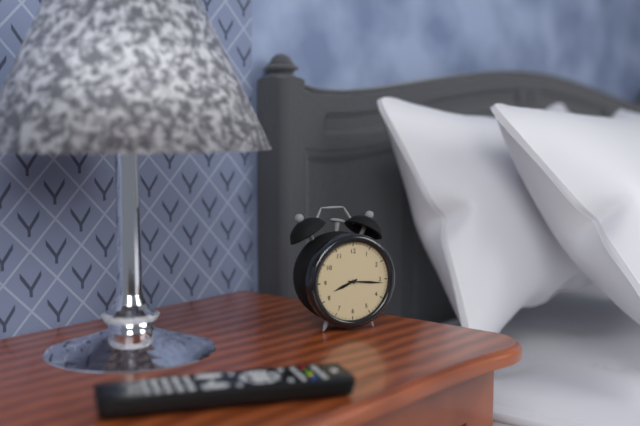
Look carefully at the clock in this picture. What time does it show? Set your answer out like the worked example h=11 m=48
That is h=8 m=16
